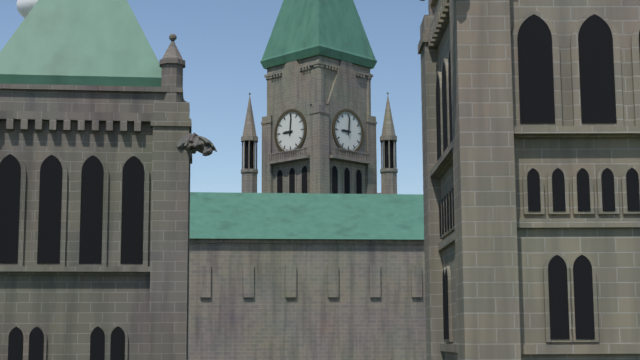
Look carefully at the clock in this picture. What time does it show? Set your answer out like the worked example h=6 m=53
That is h=9 m=1
